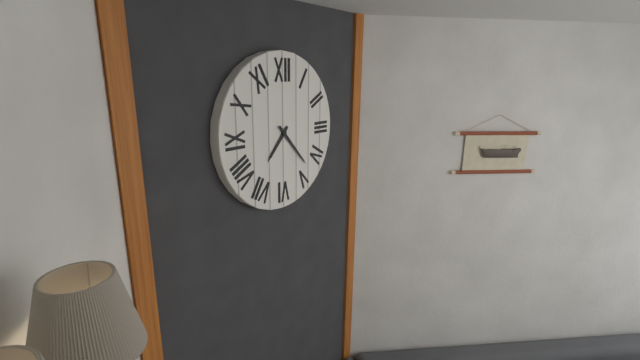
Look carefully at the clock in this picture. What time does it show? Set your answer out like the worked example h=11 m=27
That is h=7 m=23
